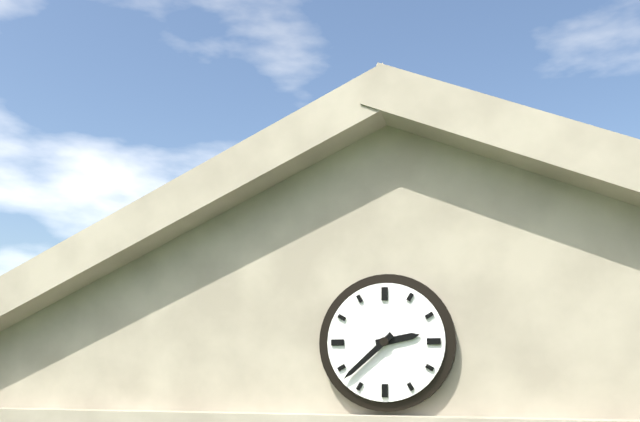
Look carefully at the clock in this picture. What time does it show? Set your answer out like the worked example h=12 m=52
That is h=2 m=38
